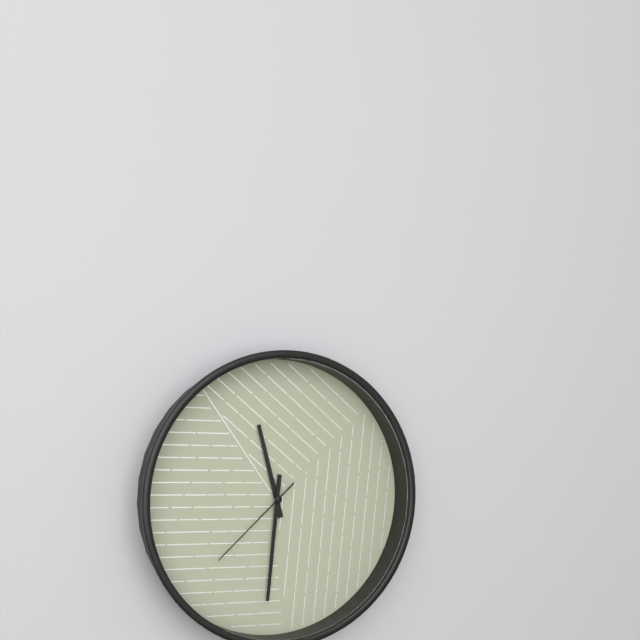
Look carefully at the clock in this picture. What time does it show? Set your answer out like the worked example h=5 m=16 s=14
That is h=11 m=31 s=38
